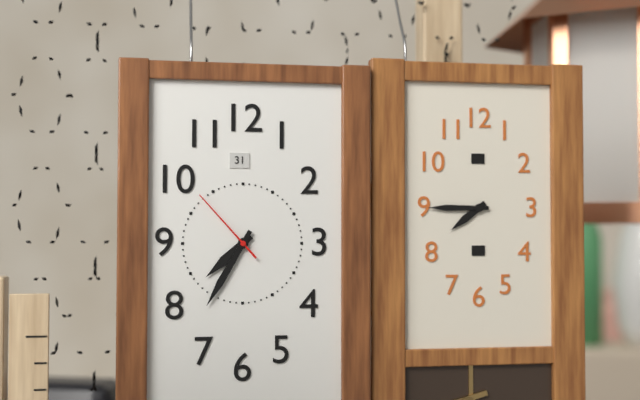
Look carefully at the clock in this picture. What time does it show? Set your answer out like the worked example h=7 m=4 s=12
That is h=7 m=35 s=53
